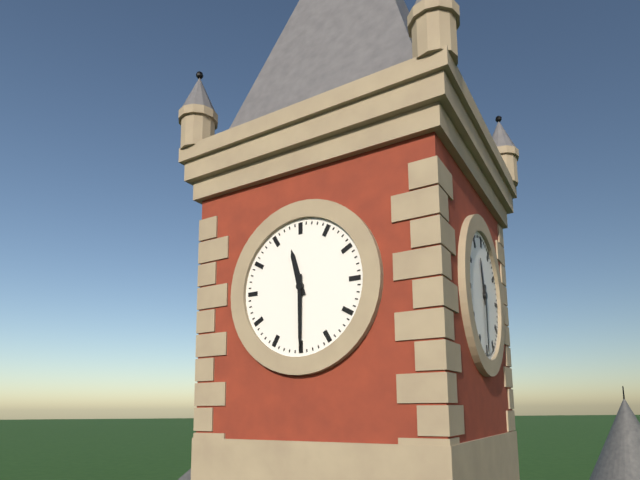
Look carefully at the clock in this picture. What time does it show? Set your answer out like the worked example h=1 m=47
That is h=11 m=30
